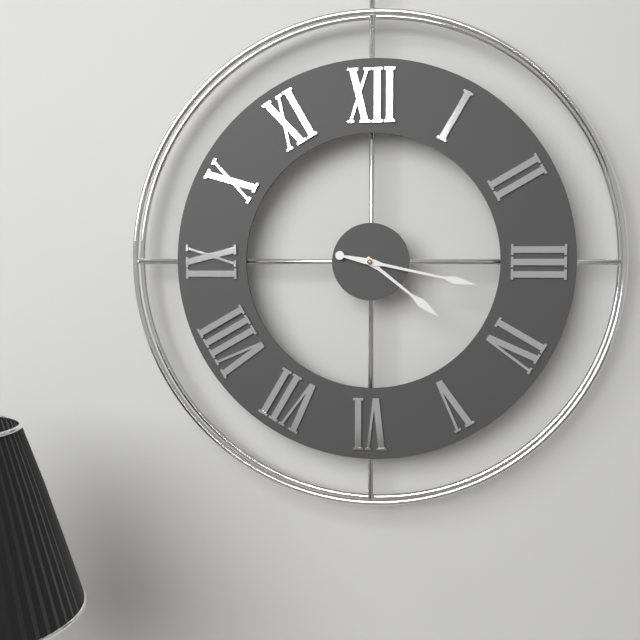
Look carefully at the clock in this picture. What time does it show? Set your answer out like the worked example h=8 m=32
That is h=4 m=17
